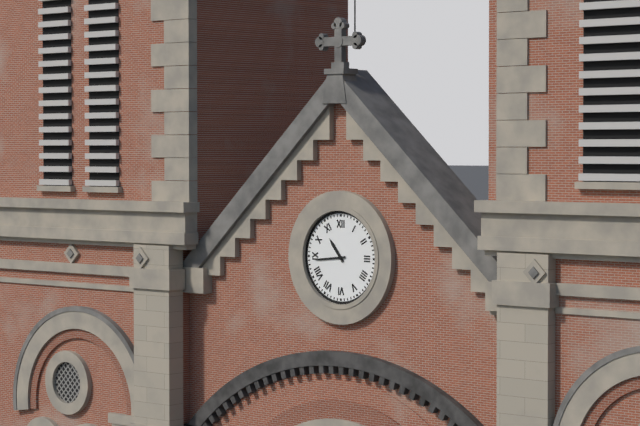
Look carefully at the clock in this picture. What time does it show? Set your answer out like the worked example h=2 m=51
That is h=10 m=44
